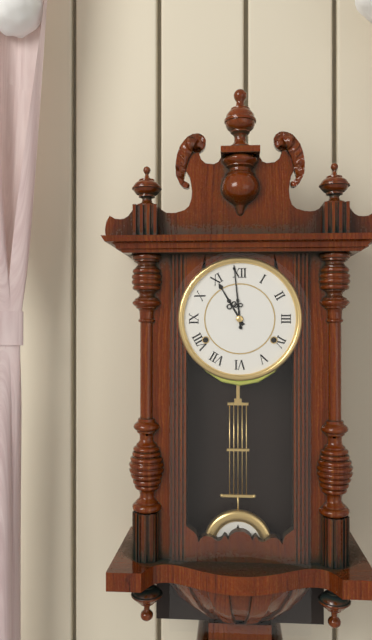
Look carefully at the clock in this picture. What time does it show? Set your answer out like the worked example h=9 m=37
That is h=10 m=59
